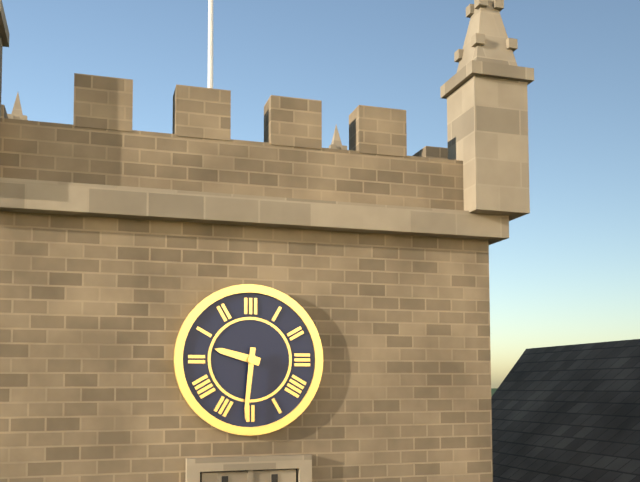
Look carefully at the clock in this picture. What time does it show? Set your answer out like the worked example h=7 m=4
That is h=9 m=31
